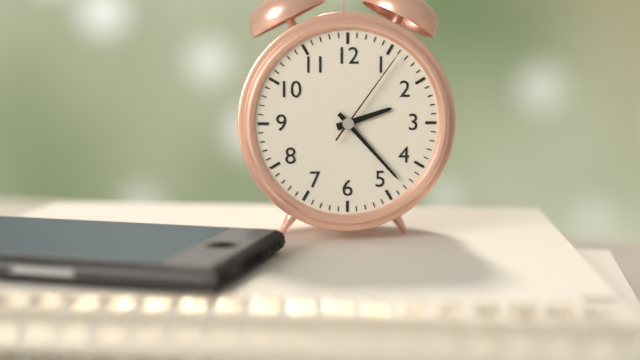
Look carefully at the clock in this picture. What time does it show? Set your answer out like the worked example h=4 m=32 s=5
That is h=2 m=23 s=6
